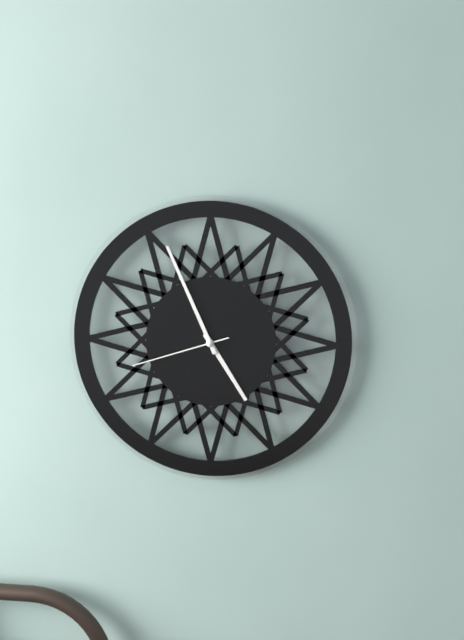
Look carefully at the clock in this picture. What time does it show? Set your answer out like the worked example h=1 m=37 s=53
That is h=4 m=56 s=42
